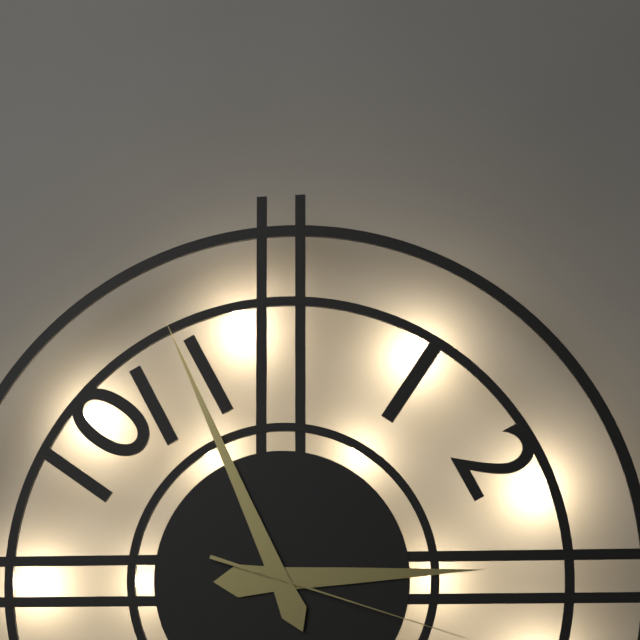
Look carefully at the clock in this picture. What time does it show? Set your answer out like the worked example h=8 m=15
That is h=2 m=56
